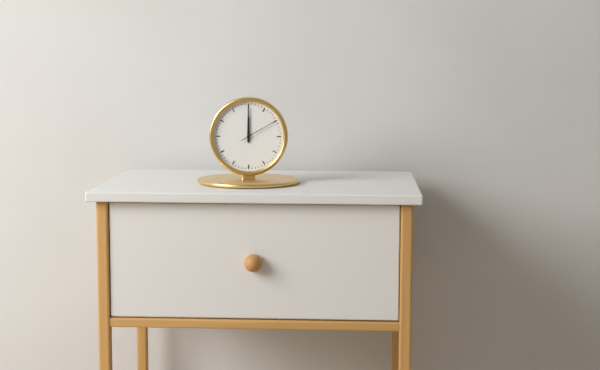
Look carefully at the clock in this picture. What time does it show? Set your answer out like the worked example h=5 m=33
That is h=12 m=0
